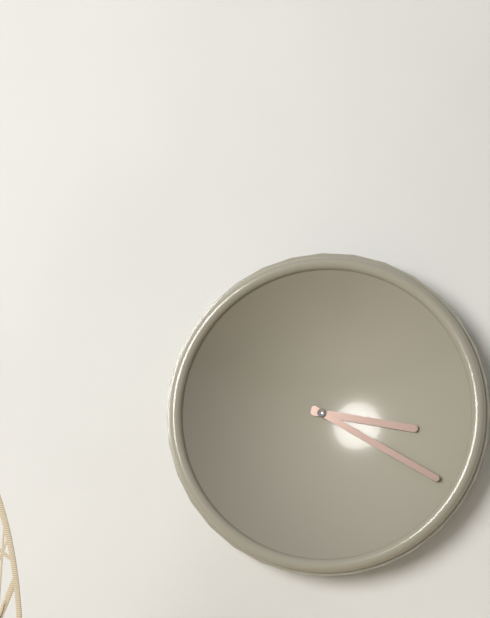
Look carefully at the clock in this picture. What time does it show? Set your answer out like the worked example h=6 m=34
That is h=3 m=20
